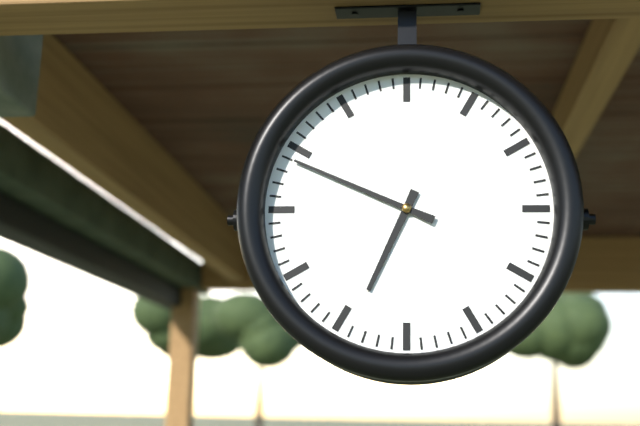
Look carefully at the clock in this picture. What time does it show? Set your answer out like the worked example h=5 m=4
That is h=6 m=49
